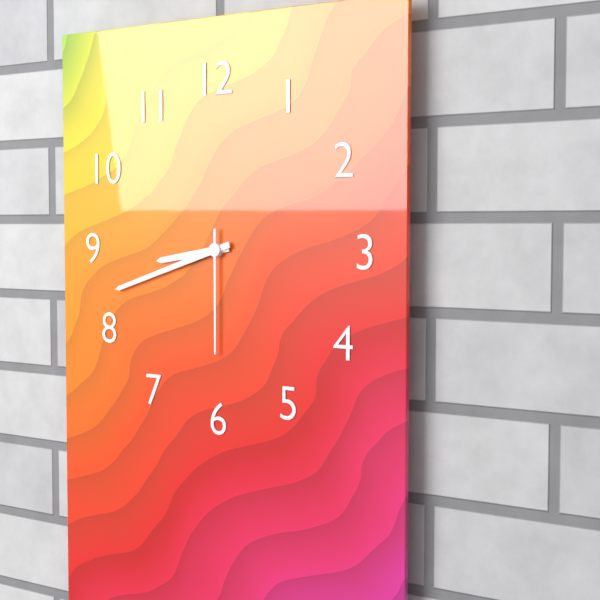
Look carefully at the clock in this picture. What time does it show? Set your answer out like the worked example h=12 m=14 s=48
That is h=8 m=42 s=30
